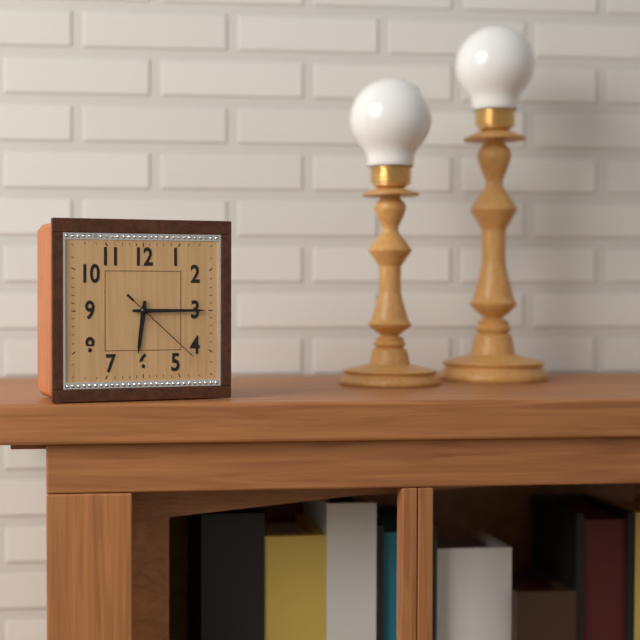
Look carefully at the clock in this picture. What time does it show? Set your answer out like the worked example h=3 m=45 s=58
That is h=6 m=15 s=22
